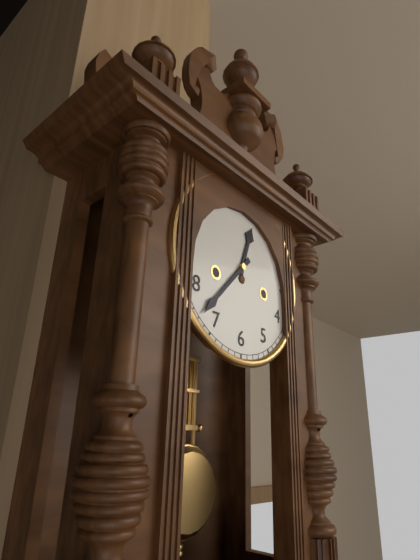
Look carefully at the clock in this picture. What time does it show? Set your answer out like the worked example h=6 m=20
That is h=12 m=37
